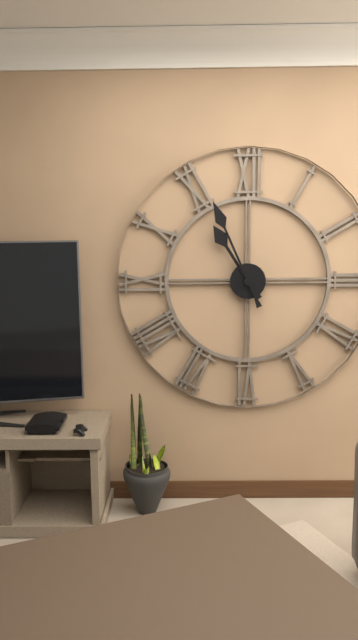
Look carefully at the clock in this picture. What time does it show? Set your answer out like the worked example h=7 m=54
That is h=10 m=56
